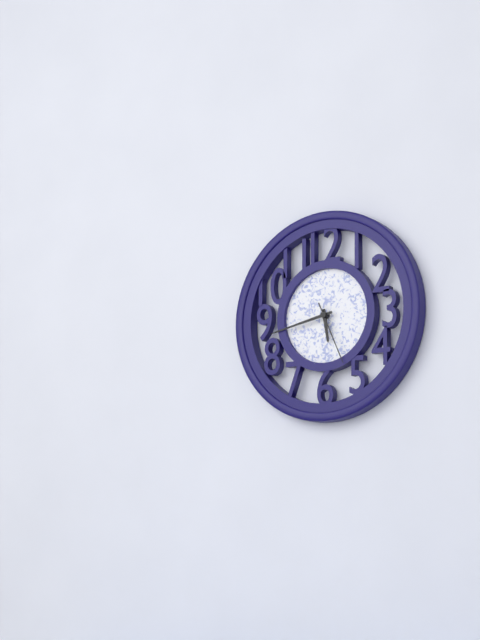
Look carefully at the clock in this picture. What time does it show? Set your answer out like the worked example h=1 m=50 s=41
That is h=5 m=43 s=26
